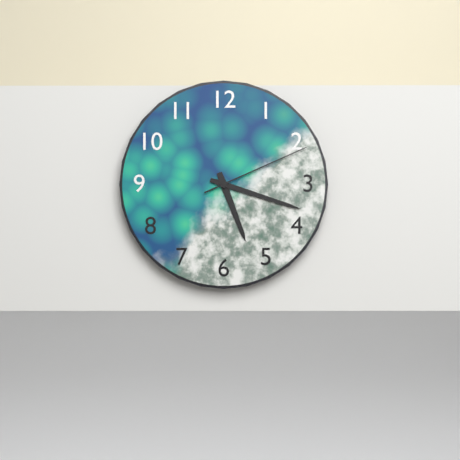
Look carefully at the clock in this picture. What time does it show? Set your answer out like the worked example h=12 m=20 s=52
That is h=5 m=18 s=11
